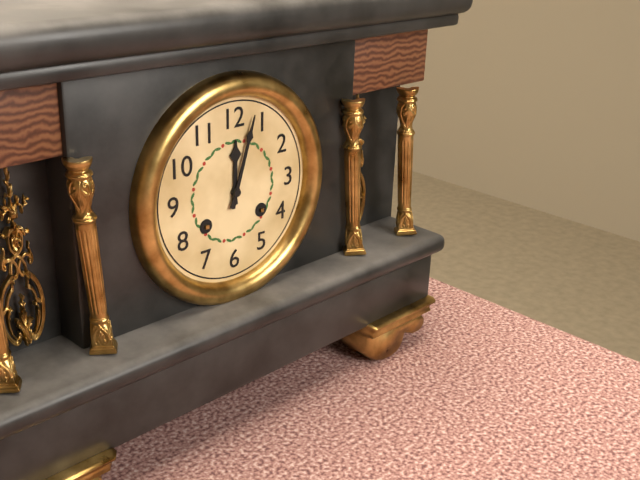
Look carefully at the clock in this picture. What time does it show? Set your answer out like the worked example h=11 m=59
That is h=12 m=3
